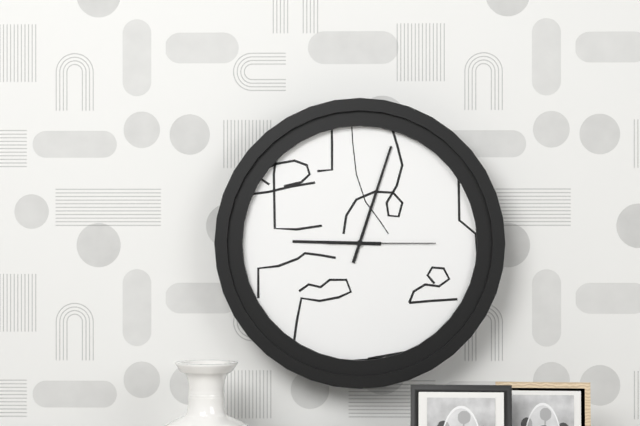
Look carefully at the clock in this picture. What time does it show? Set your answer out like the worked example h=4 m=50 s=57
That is h=9 m=3 s=15
